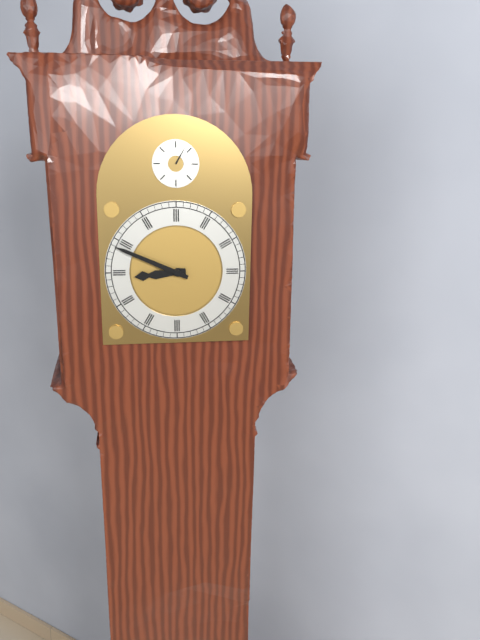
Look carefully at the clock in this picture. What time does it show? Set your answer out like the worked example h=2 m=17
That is h=8 m=49
